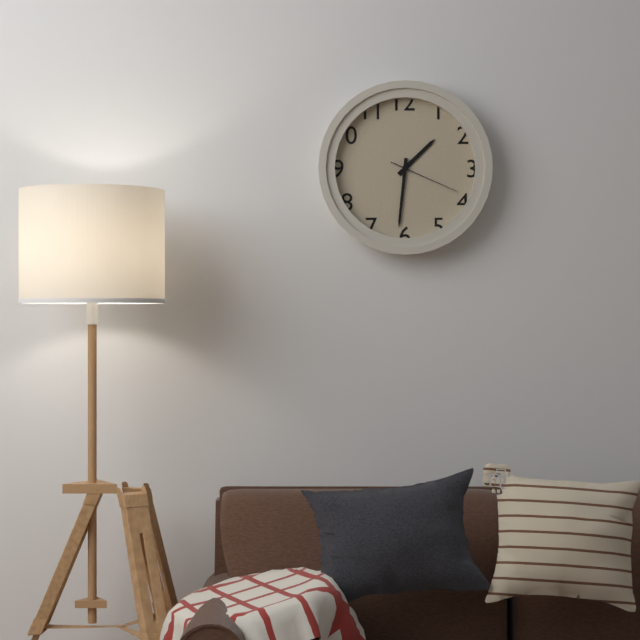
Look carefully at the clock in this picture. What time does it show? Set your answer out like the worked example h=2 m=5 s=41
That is h=1 m=31 s=19
